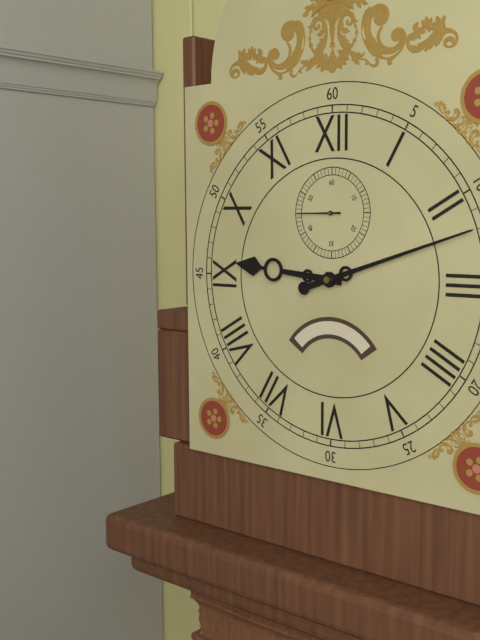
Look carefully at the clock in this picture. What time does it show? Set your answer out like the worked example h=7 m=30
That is h=9 m=12
